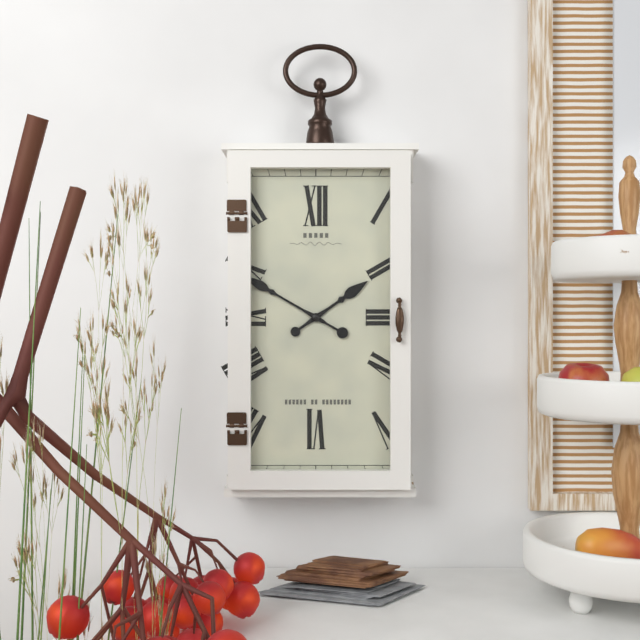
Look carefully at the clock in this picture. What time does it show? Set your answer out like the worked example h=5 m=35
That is h=1 m=50
